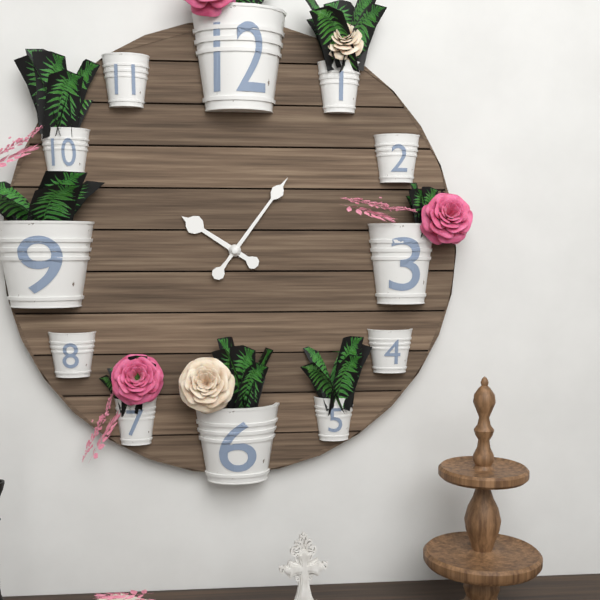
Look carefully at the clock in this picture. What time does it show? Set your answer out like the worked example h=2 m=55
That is h=10 m=6
